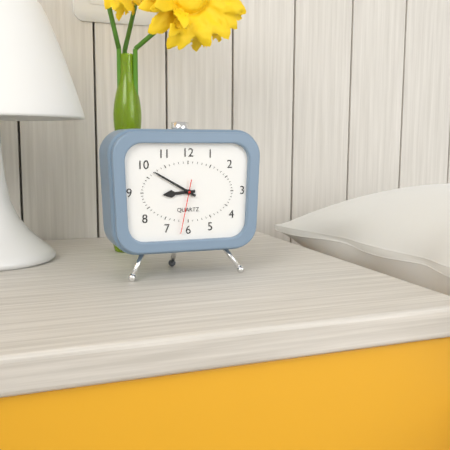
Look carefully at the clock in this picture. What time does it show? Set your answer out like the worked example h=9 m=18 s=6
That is h=8 m=50 s=32
